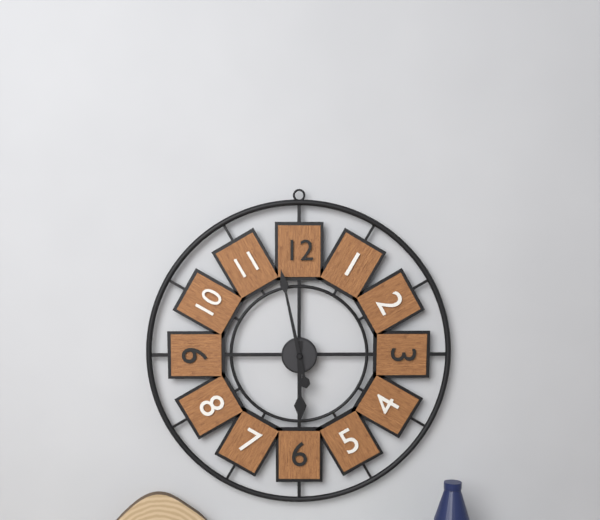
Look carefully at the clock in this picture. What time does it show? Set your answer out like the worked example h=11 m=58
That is h=5 m=58
